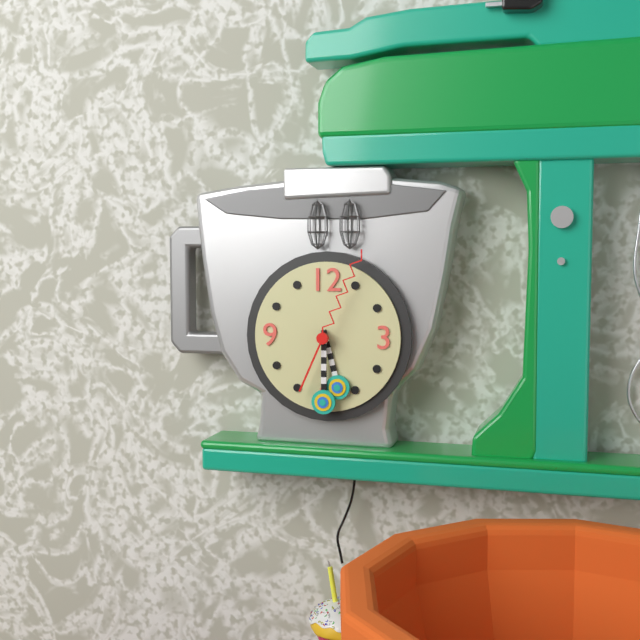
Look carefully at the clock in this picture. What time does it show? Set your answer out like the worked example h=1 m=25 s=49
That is h=5 m=30 s=4
